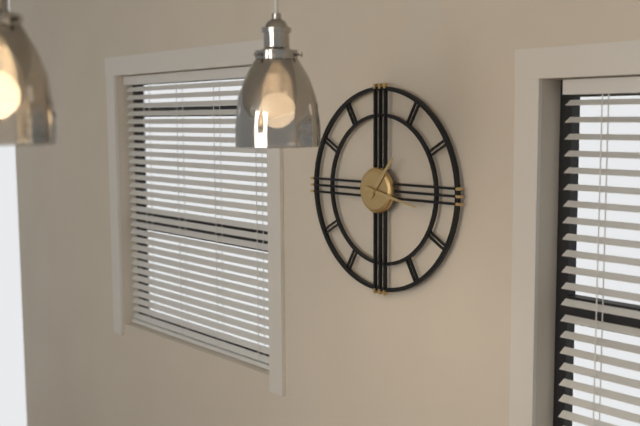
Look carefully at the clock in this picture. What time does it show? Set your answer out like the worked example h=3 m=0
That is h=1 m=17
